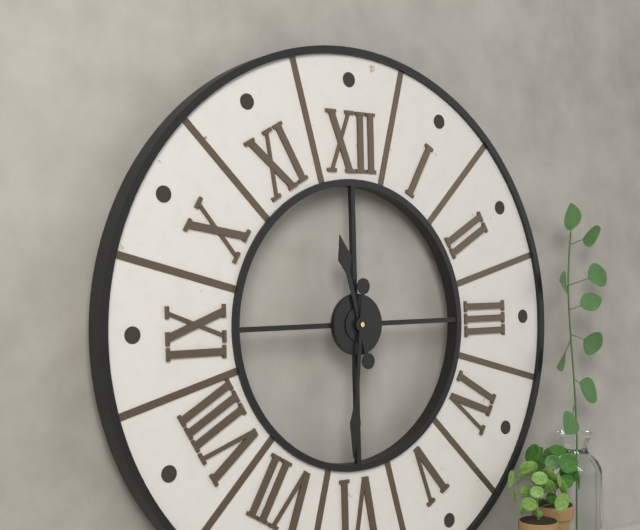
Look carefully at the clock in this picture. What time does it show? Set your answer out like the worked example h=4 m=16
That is h=11 m=31
